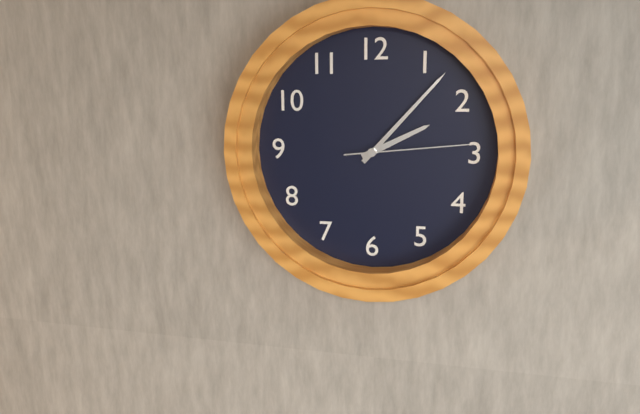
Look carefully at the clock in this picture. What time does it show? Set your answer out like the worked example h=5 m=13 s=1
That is h=2 m=7 s=14
